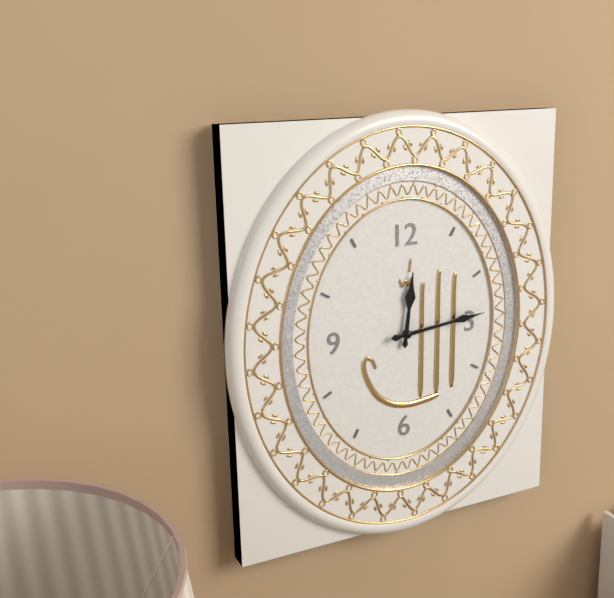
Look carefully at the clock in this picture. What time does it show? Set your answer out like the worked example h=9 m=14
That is h=12 m=14
